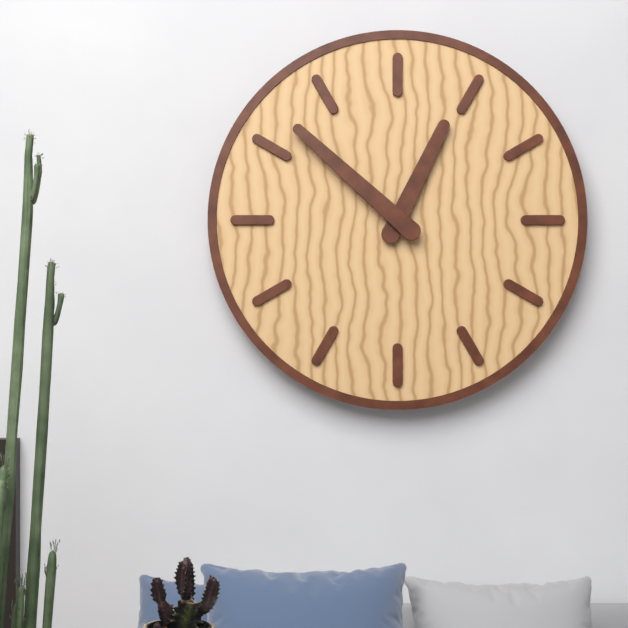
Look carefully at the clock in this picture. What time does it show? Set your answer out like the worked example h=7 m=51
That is h=12 m=52
